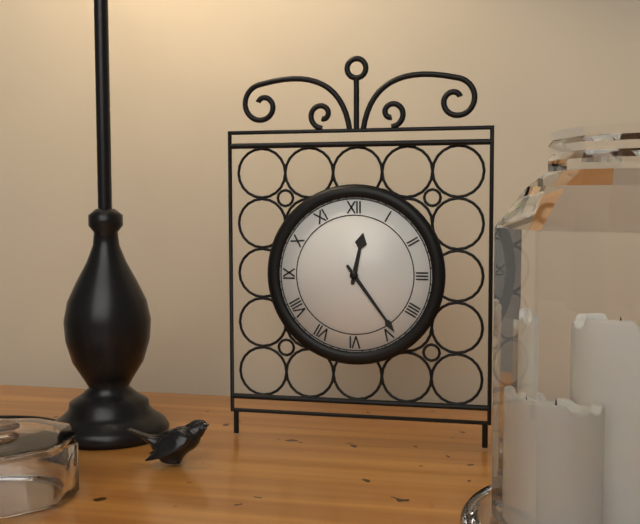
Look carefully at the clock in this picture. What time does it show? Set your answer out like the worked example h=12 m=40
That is h=12 m=24
